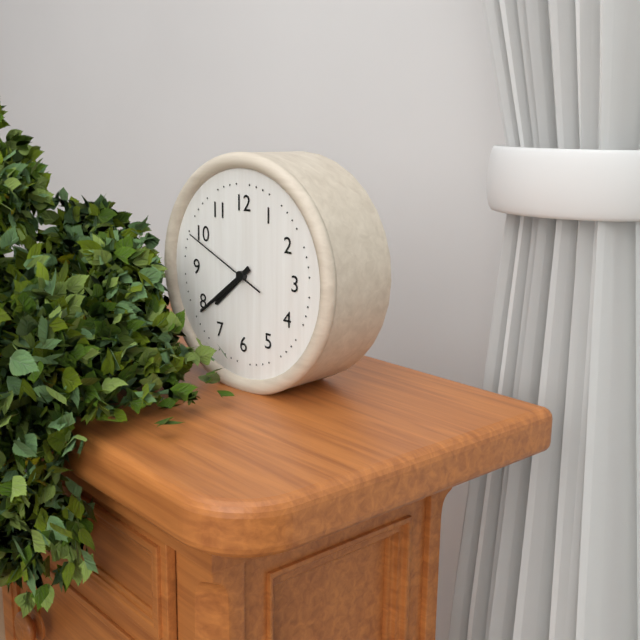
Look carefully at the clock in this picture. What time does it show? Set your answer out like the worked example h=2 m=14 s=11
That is h=7 m=39 s=49
